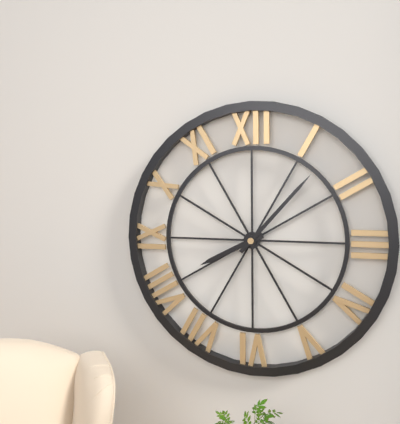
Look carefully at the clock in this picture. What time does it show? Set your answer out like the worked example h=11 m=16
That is h=8 m=7
